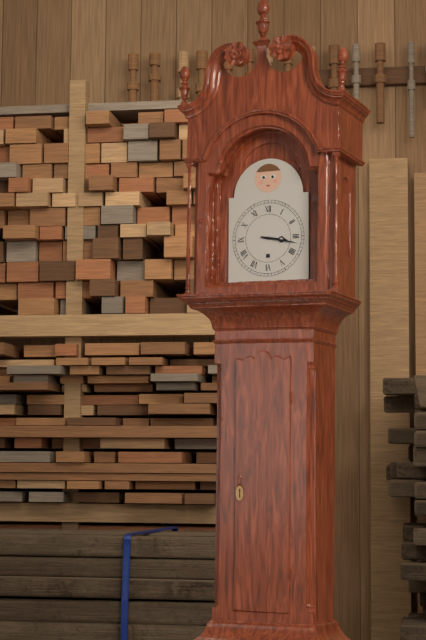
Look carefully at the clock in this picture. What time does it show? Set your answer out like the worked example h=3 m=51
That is h=3 m=17
